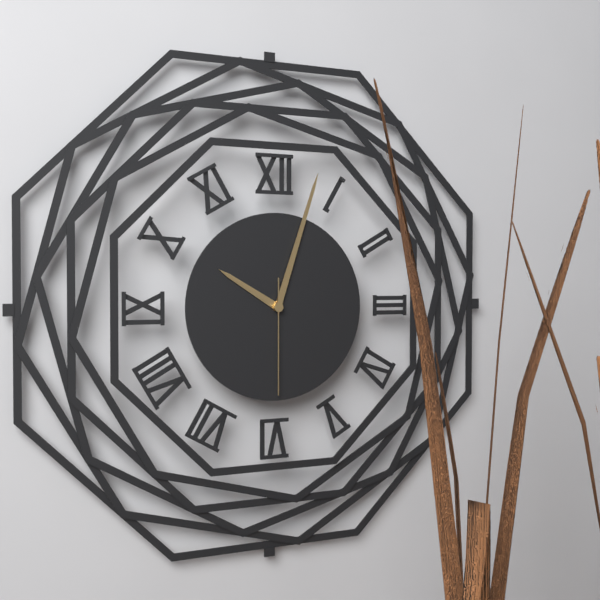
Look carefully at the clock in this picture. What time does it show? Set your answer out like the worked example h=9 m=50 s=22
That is h=10 m=3 s=30
